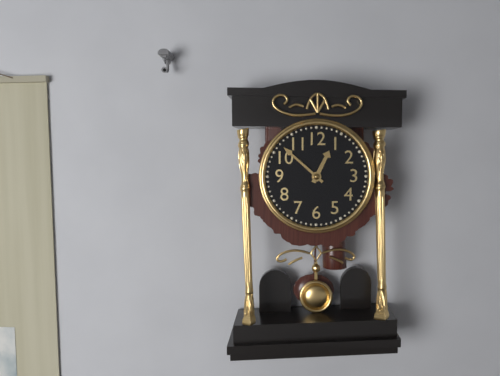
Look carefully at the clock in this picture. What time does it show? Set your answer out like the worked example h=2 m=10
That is h=12 m=52
